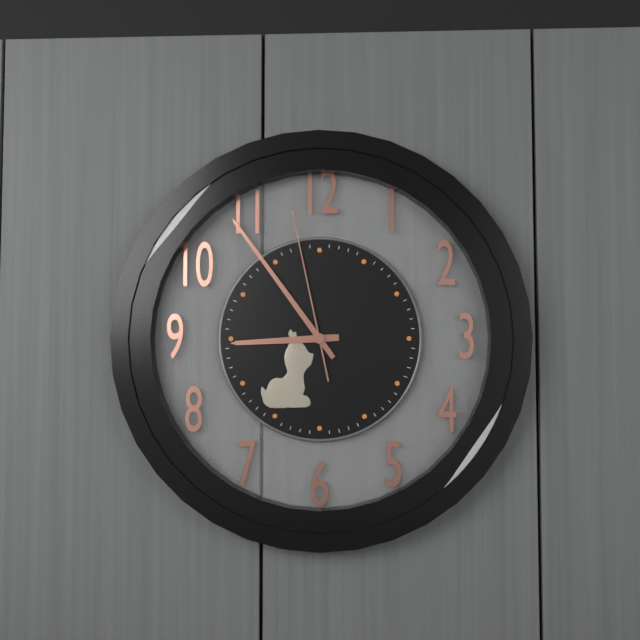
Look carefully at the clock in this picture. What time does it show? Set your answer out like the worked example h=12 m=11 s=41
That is h=8 m=54 s=58
